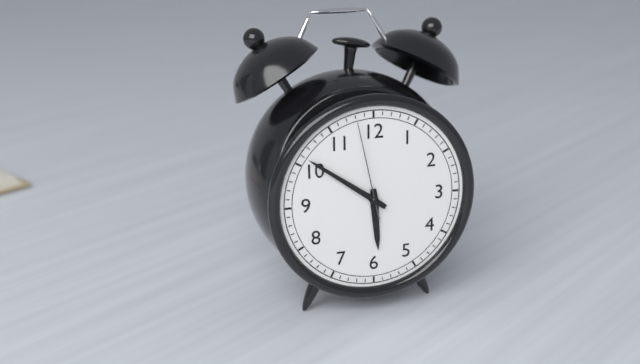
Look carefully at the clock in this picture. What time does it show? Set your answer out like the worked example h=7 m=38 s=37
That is h=5 m=51 s=58
